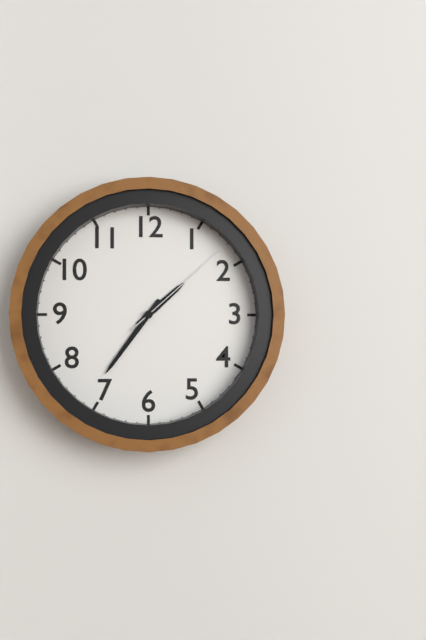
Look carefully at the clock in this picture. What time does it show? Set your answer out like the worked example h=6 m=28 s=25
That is h=1 m=36 s=8
